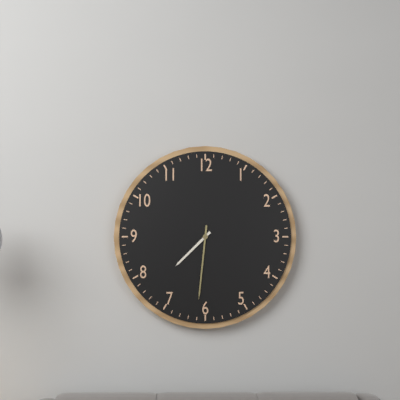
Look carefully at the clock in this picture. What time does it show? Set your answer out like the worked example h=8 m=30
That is h=7 m=31
